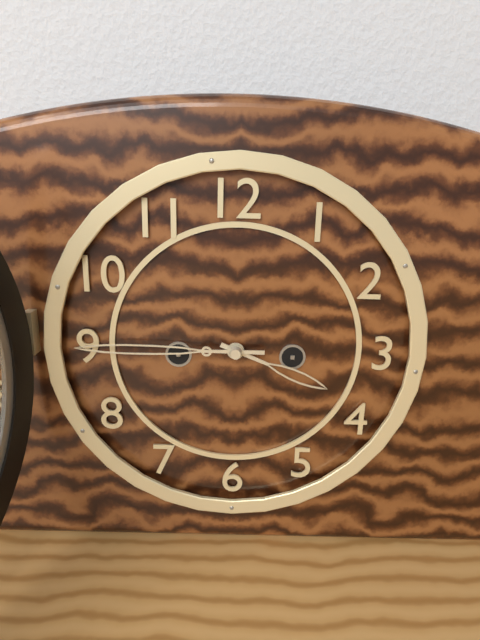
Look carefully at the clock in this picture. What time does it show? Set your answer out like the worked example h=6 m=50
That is h=3 m=45
